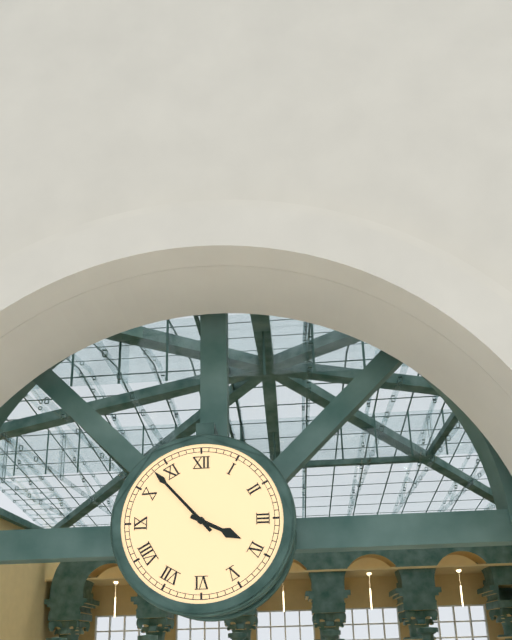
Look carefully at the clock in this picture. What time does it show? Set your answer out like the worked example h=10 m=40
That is h=3 m=53
